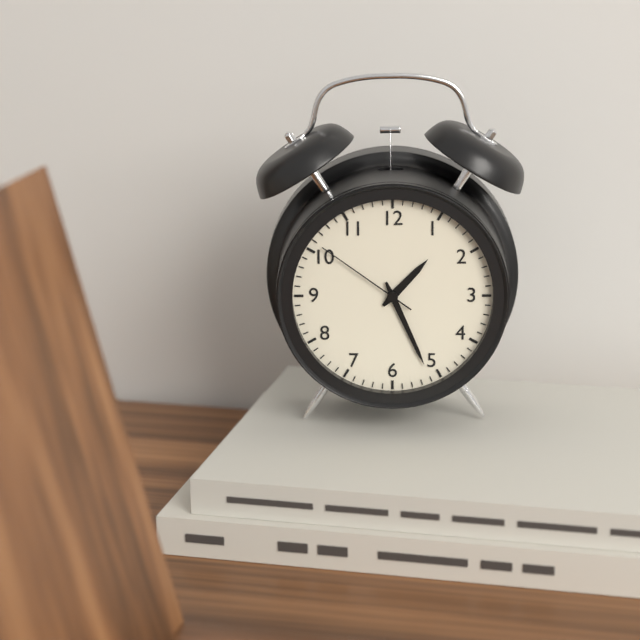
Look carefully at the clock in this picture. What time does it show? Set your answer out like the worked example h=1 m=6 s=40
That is h=1 m=26 s=51
